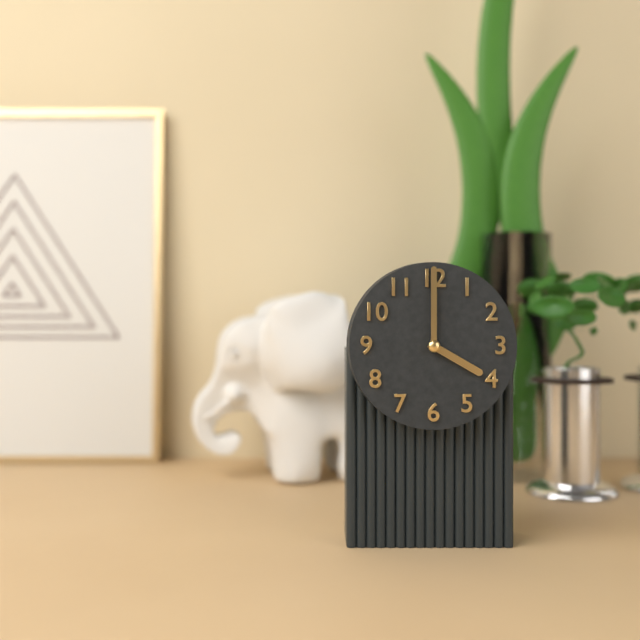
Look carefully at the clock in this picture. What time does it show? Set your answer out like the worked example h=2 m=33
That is h=4 m=0
